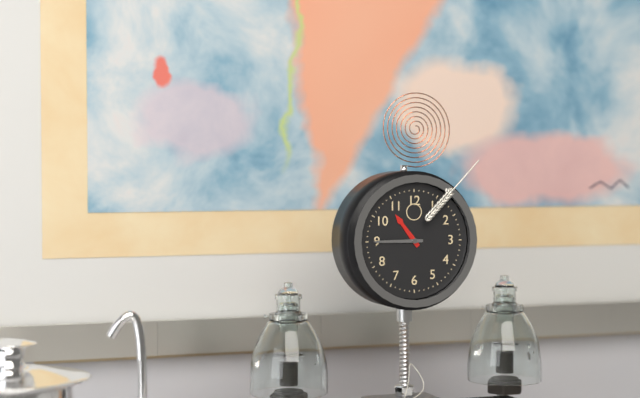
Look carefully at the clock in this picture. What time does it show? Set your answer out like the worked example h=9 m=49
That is h=10 m=45
